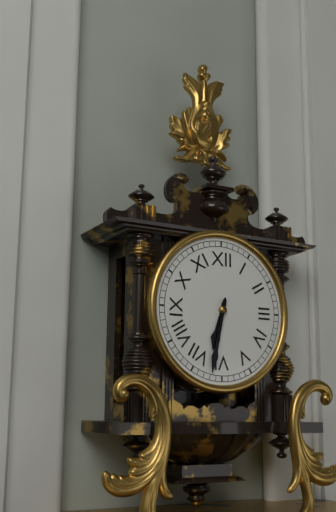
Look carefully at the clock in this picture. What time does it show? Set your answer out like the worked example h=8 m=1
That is h=6 m=32
